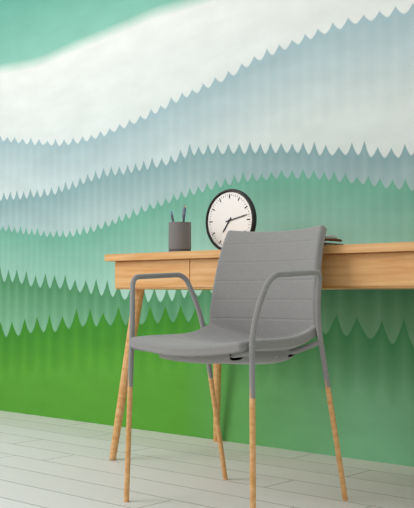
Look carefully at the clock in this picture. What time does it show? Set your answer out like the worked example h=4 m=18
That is h=7 m=13
